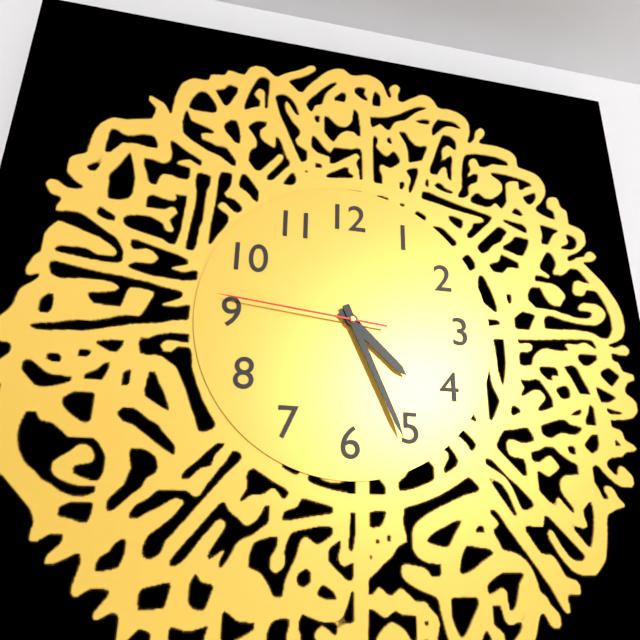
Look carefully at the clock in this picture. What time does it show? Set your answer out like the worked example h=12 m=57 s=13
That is h=4 m=26 s=46
